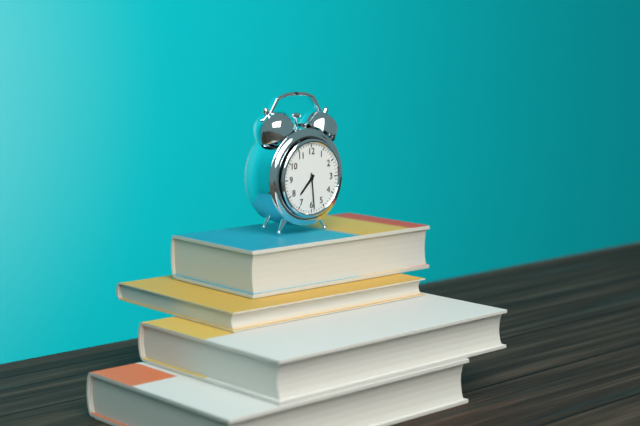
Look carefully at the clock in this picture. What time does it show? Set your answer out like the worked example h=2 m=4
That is h=7 m=29
